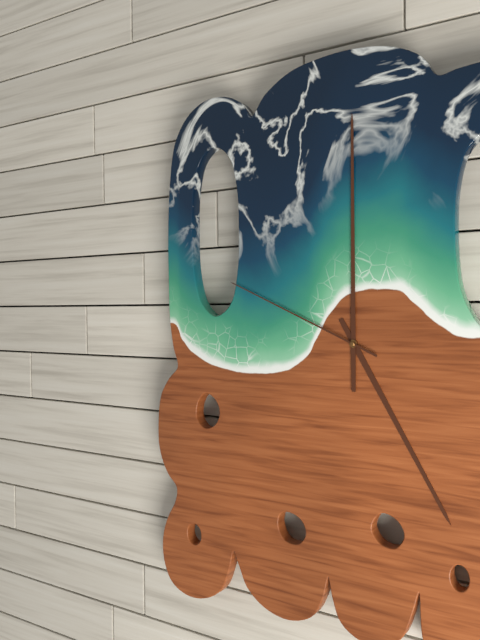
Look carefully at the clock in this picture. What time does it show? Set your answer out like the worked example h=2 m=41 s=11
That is h=5 m=0 s=49
